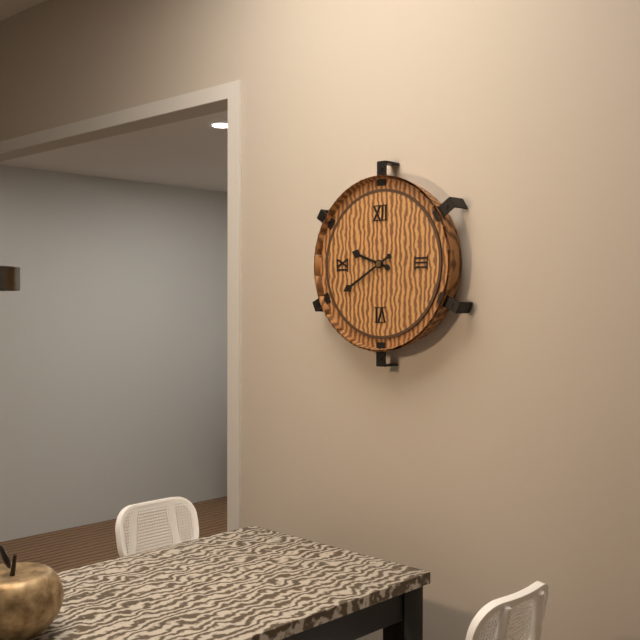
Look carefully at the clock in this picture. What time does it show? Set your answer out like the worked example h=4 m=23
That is h=9 m=40
